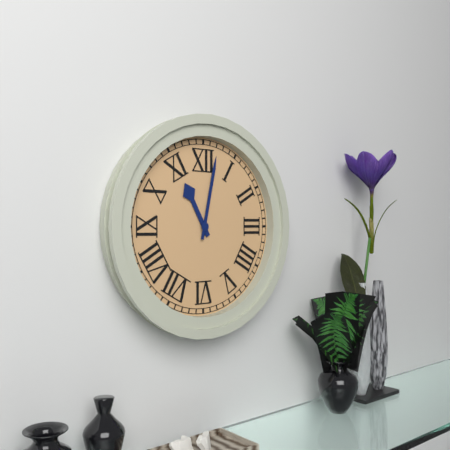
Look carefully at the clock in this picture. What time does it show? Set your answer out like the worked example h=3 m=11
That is h=11 m=2
